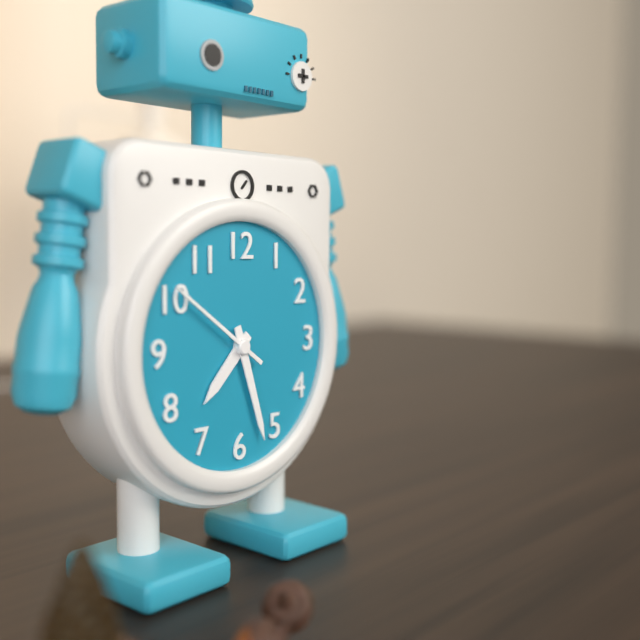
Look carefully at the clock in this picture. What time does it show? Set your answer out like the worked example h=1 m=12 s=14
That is h=7 m=27 s=51
